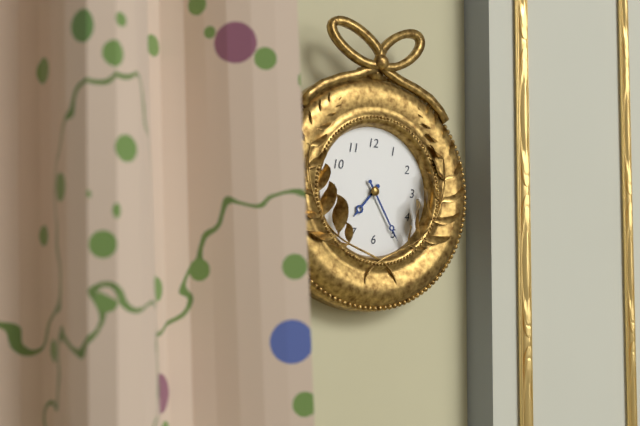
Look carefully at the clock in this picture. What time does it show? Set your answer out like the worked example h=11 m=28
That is h=7 m=25
